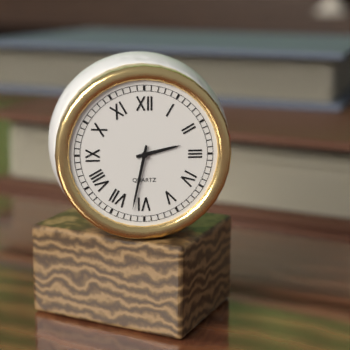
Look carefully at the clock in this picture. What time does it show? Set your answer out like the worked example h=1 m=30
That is h=2 m=32
